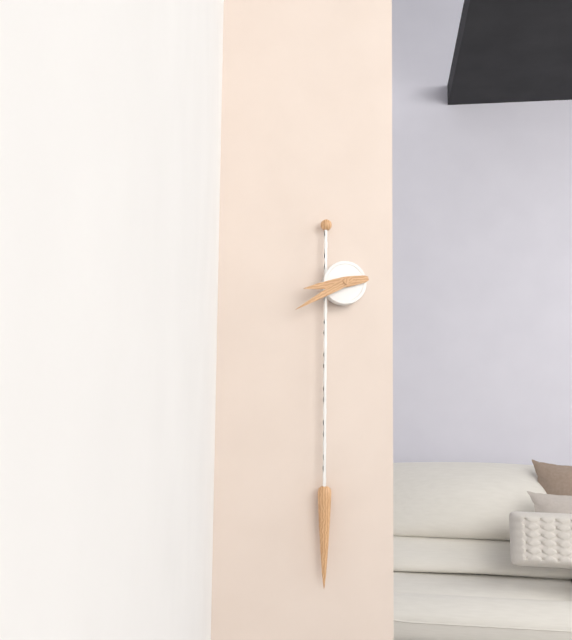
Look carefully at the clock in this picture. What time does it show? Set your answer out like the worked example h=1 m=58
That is h=8 m=40
